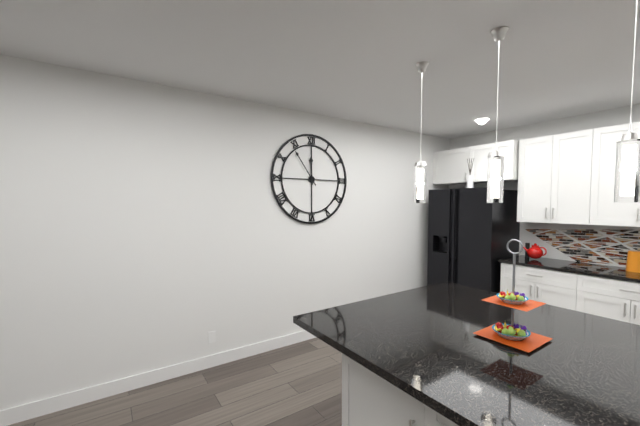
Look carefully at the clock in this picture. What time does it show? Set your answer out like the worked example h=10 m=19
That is h=11 m=54
